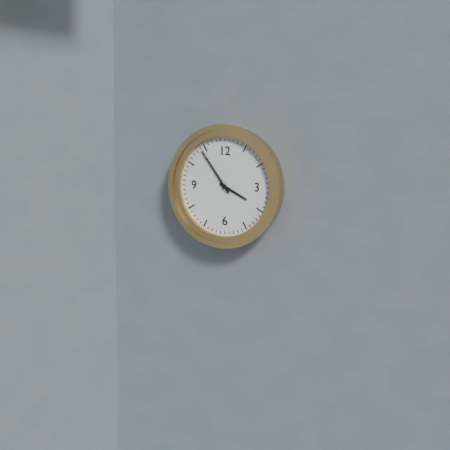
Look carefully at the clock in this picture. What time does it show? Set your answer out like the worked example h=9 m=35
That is h=3 m=54
